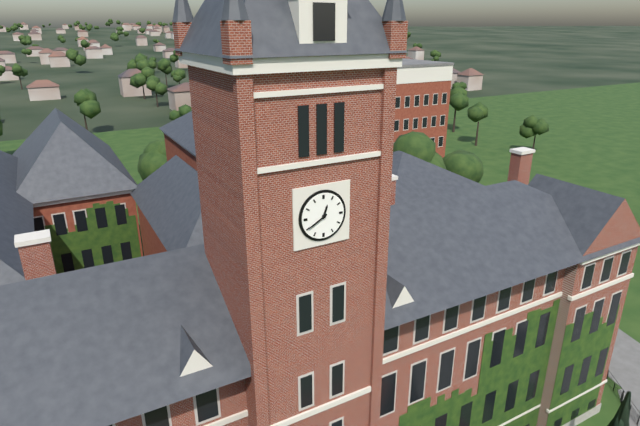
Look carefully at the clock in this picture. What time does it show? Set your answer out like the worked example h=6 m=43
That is h=12 m=40
